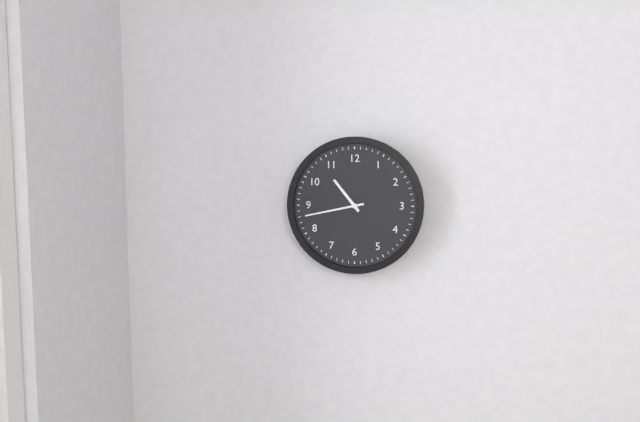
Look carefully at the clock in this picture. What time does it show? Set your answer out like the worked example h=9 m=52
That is h=10 m=43
